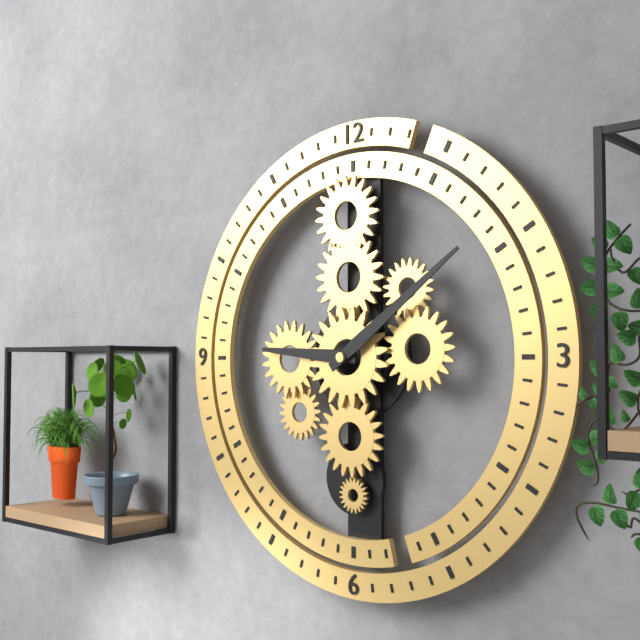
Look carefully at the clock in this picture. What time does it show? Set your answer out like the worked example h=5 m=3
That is h=9 m=9
